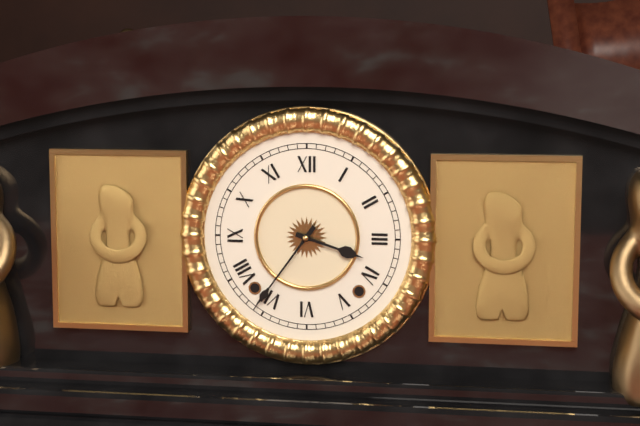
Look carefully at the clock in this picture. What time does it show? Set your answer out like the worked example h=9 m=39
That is h=3 m=36
